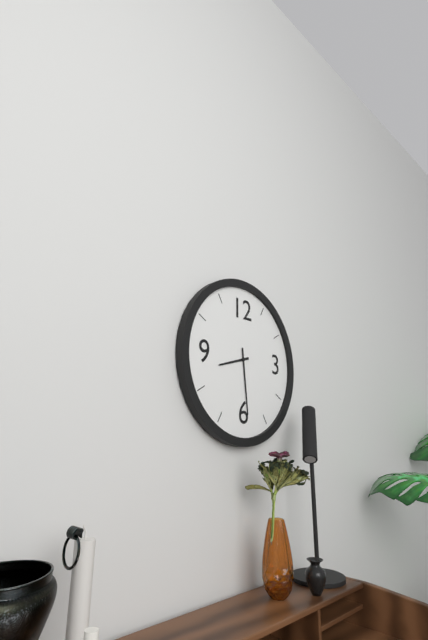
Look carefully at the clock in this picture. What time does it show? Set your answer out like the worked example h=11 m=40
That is h=8 m=29
